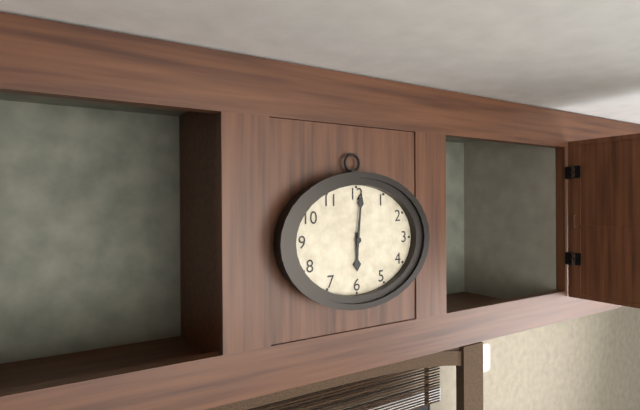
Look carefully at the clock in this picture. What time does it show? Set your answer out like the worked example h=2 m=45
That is h=6 m=1
